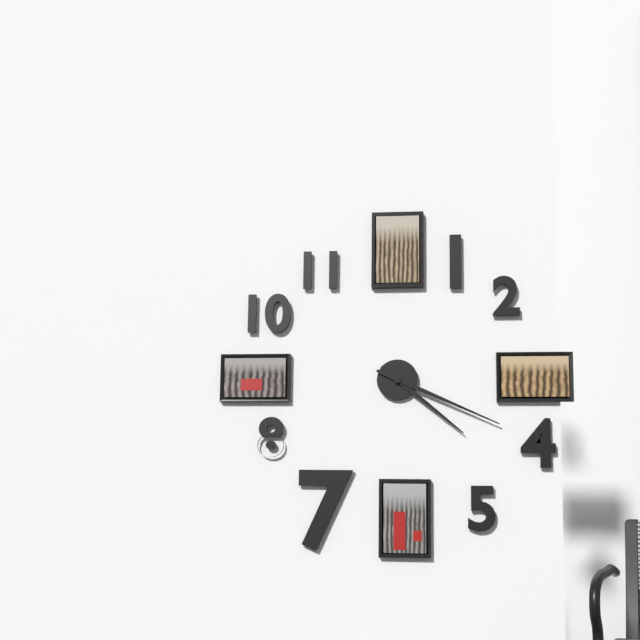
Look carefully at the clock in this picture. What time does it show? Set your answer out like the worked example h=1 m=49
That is h=4 m=19
